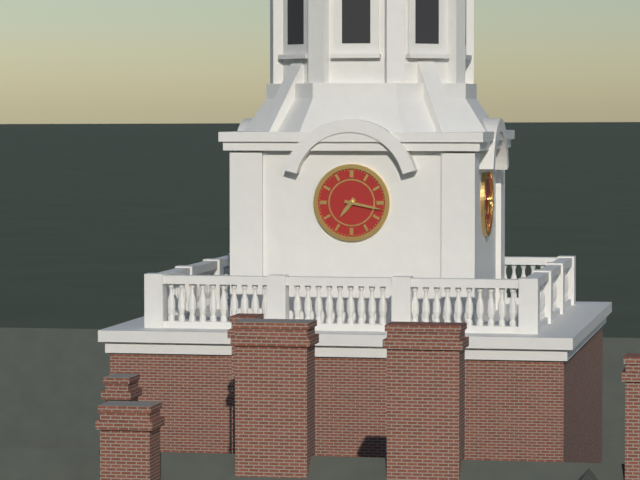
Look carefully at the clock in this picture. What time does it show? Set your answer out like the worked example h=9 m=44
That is h=7 m=17
